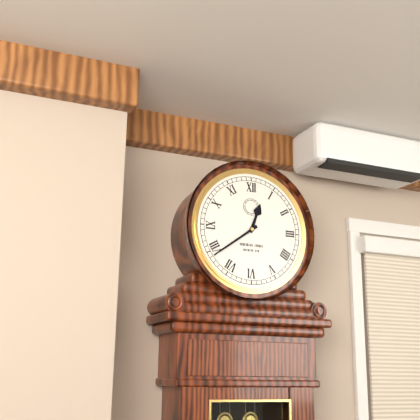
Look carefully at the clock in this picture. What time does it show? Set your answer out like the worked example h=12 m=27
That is h=12 m=39
